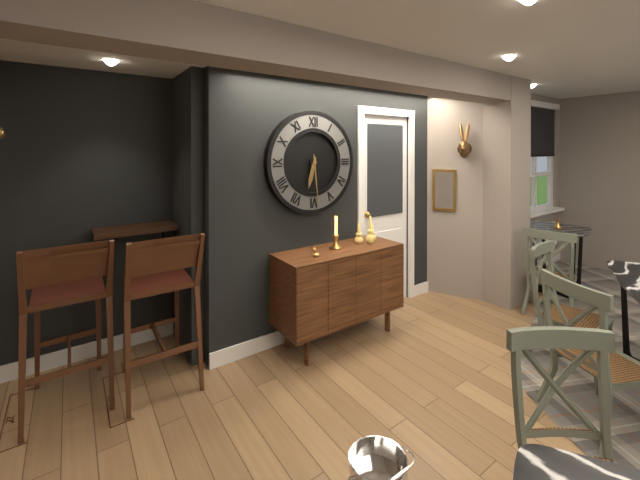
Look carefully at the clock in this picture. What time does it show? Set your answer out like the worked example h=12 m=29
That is h=6 m=29
